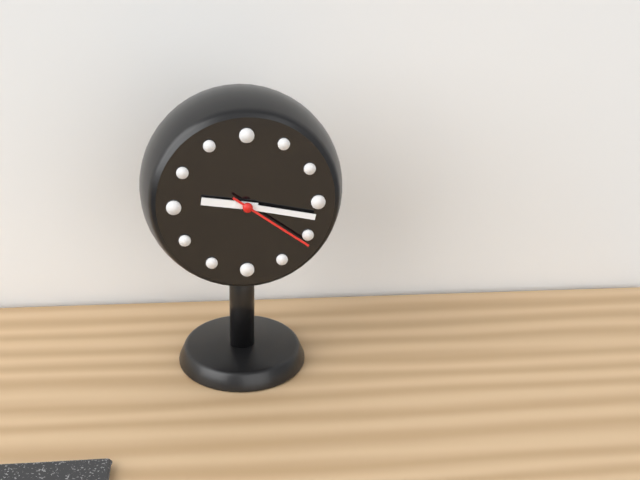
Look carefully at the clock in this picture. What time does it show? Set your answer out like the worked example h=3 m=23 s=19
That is h=9 m=17 s=21
